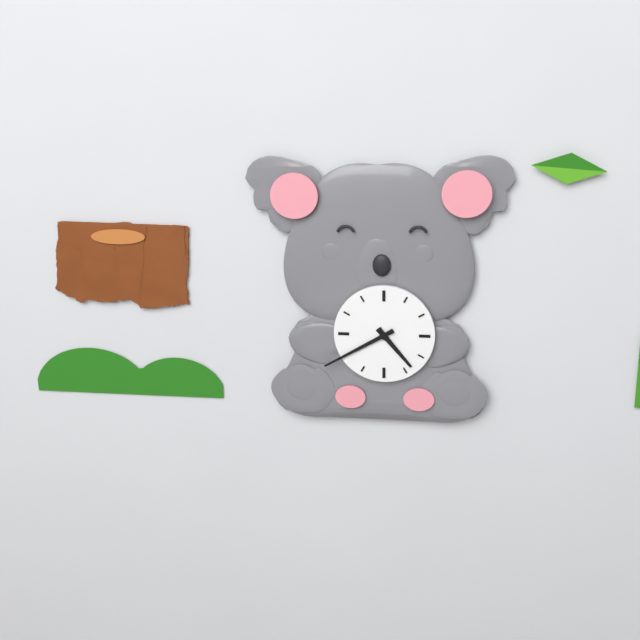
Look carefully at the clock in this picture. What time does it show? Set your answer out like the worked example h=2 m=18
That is h=4 m=40
